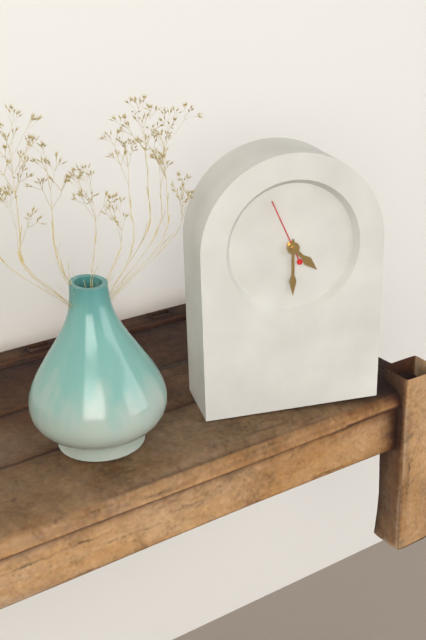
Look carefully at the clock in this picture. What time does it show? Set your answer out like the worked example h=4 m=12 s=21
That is h=4 m=30 s=56
